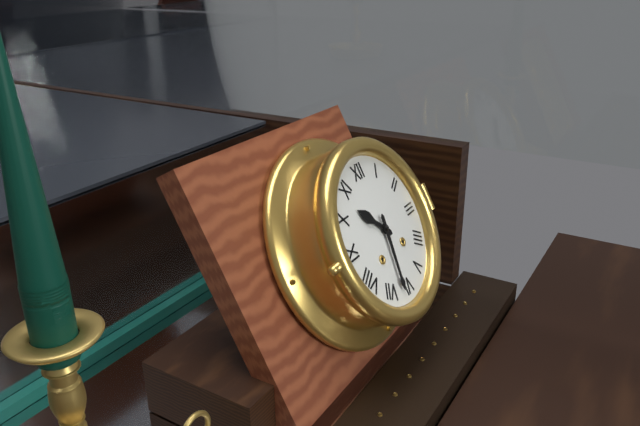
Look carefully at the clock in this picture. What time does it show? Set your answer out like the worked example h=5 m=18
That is h=10 m=32
